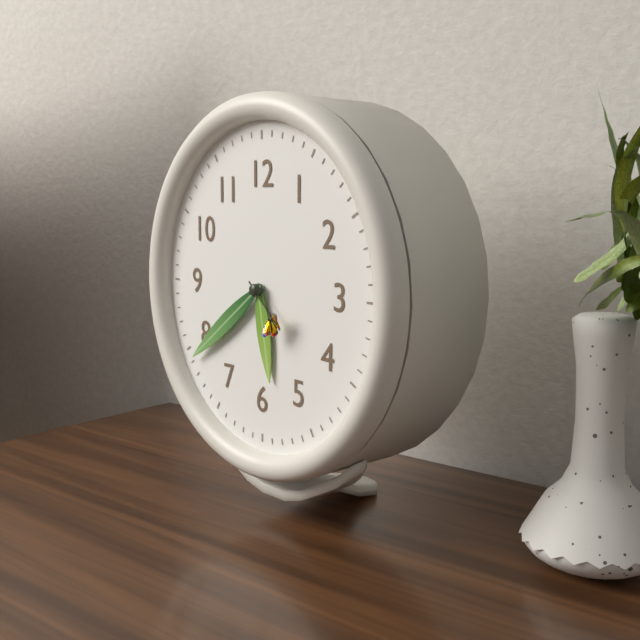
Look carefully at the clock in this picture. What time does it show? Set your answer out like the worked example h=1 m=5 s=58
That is h=5 m=39 s=22
